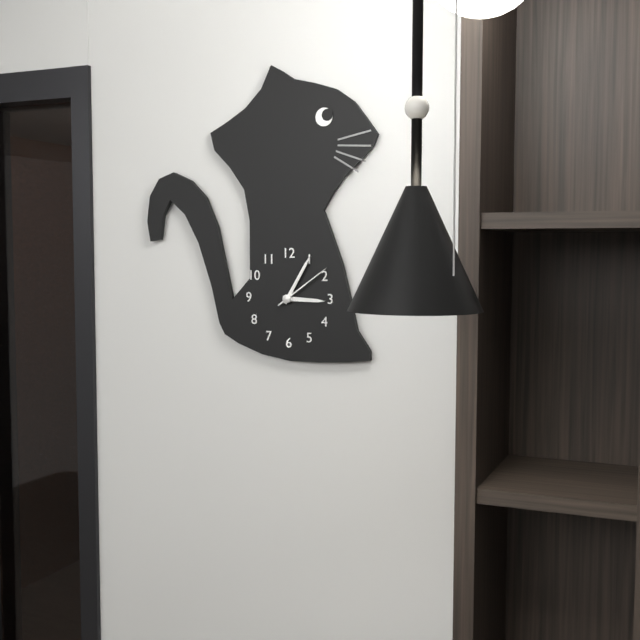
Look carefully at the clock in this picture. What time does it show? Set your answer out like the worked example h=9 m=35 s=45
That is h=3 m=5 s=9
